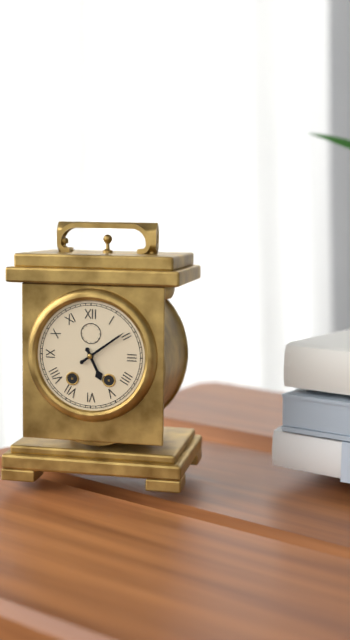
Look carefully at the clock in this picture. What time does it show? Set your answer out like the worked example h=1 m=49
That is h=5 m=9
